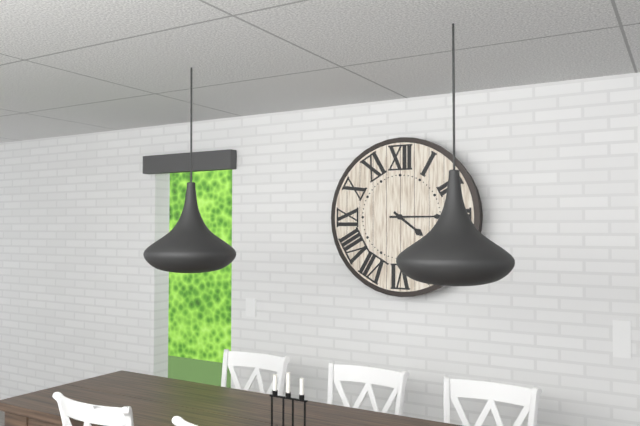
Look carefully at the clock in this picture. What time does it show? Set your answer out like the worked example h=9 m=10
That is h=4 m=15
